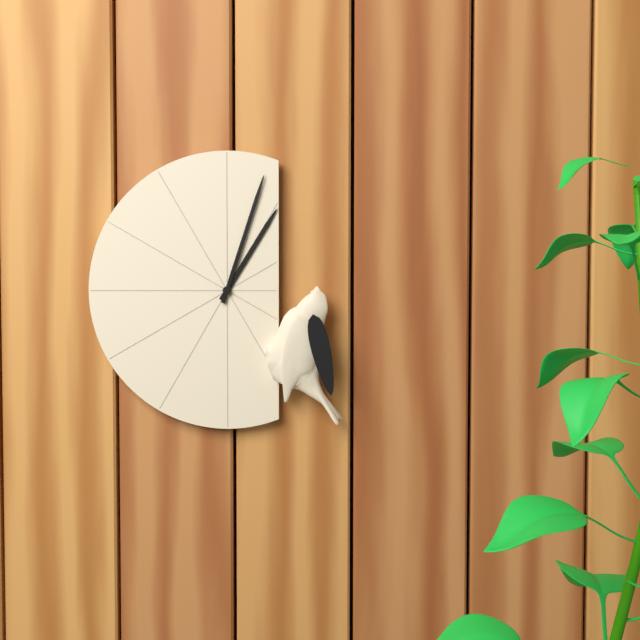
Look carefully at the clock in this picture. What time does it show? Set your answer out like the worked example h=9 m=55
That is h=1 m=3
